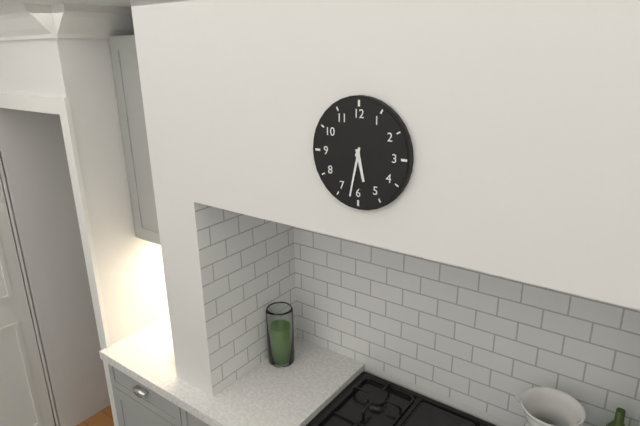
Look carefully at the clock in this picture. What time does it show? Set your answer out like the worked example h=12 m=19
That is h=5 m=32
